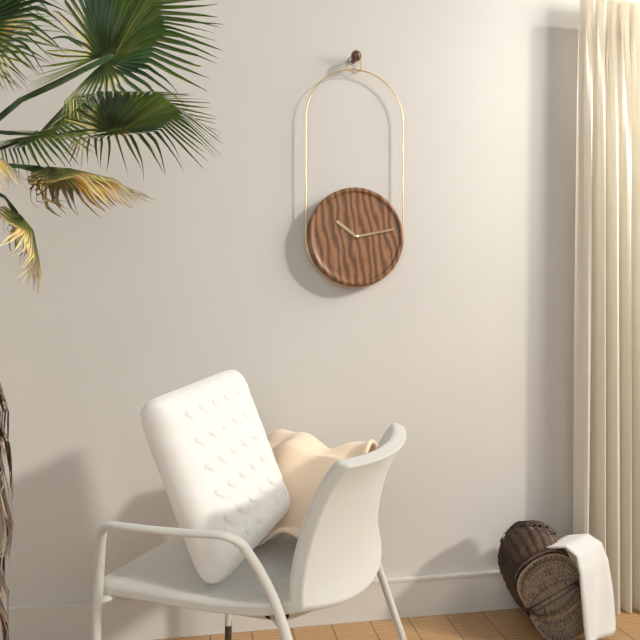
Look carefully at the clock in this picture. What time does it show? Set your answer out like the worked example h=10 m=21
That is h=10 m=13
